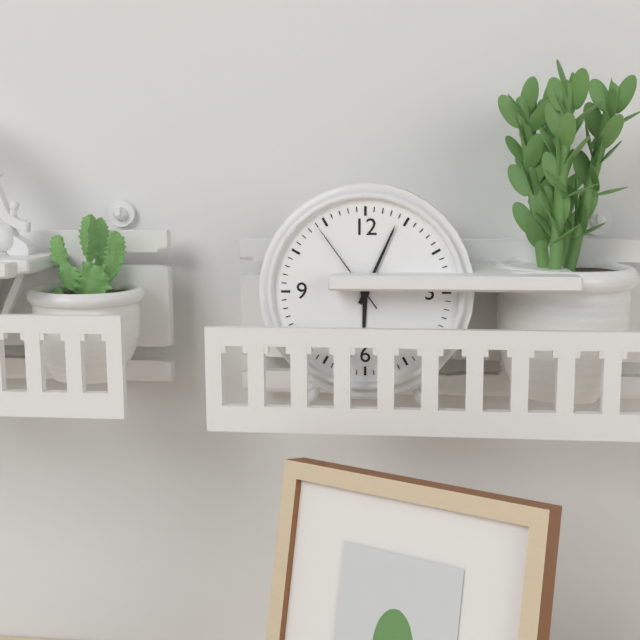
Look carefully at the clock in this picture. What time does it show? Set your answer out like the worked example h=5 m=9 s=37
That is h=6 m=4 s=54
